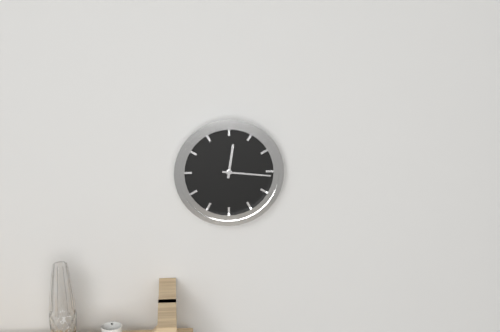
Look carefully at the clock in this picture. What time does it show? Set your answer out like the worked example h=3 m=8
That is h=12 m=16
